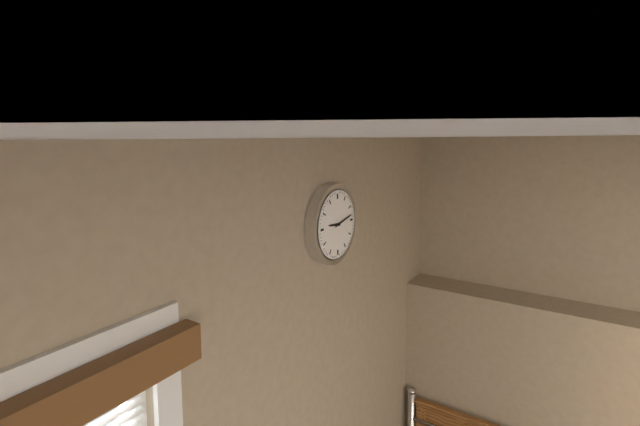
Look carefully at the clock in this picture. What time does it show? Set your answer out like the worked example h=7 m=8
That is h=9 m=13
